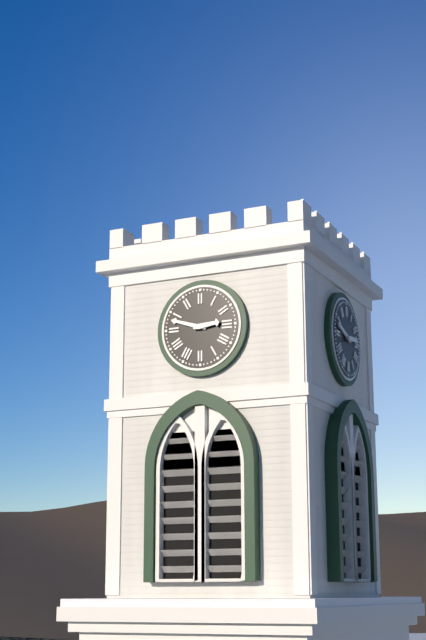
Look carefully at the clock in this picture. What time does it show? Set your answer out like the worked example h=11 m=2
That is h=2 m=48
